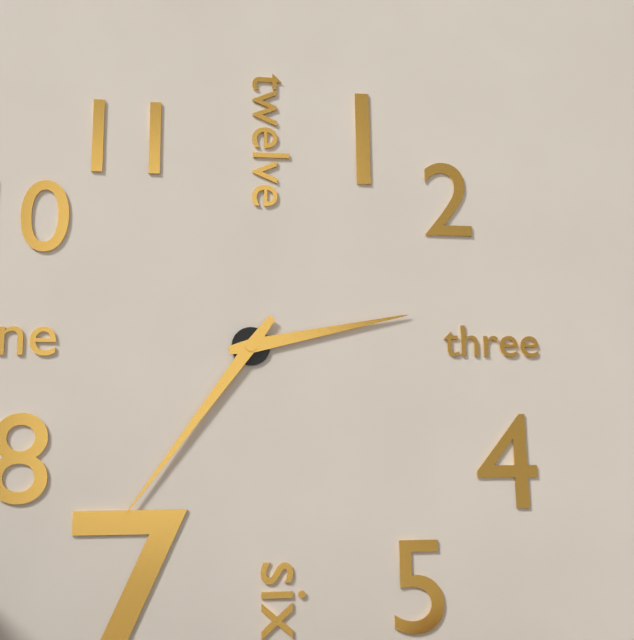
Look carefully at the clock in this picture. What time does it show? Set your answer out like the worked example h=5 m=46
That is h=2 m=36
